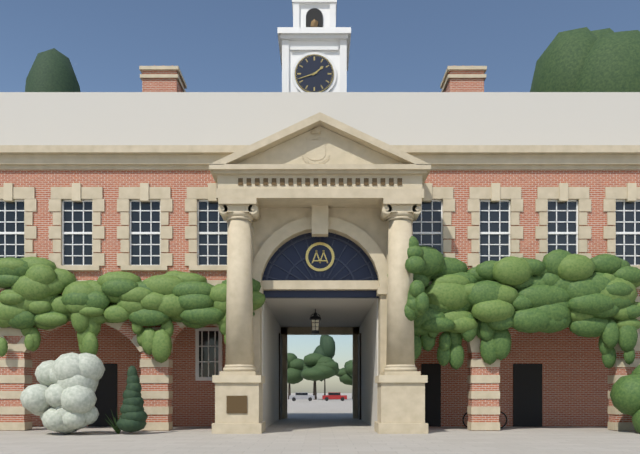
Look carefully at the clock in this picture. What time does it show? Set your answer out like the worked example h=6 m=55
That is h=1 m=42
